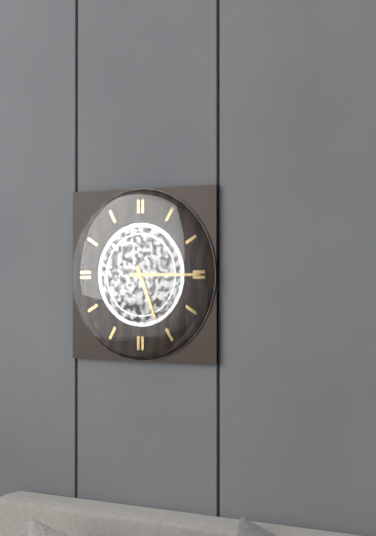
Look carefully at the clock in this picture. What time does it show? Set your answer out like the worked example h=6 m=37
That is h=5 m=15
